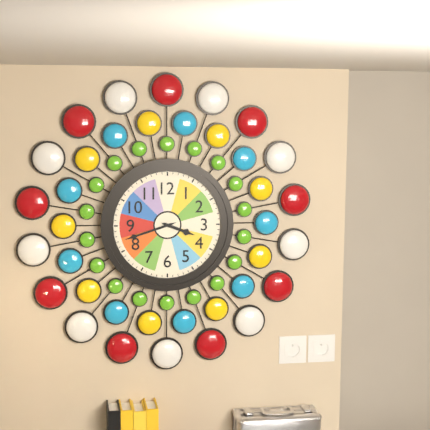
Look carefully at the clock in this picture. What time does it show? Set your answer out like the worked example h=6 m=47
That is h=3 m=42
